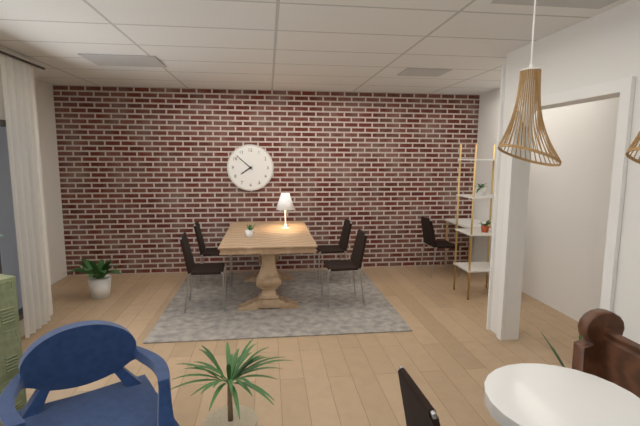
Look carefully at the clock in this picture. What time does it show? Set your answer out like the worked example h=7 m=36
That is h=7 m=52
